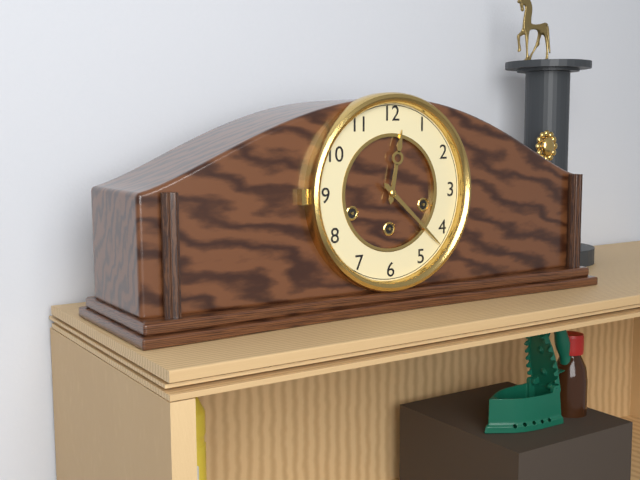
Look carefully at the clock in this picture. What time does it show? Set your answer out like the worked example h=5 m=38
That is h=12 m=22
